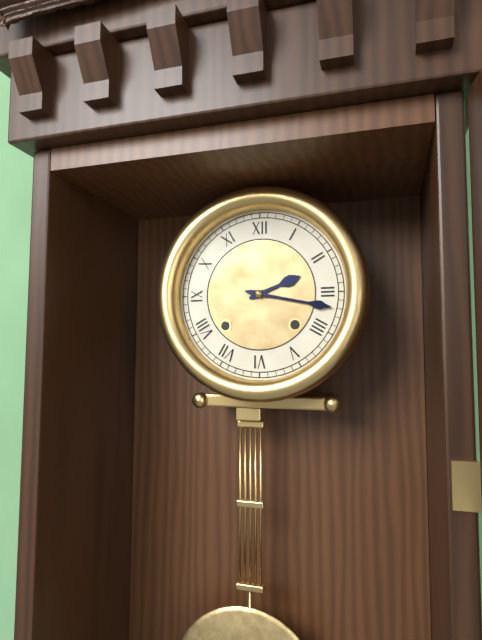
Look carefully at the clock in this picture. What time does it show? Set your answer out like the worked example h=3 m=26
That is h=2 m=17
